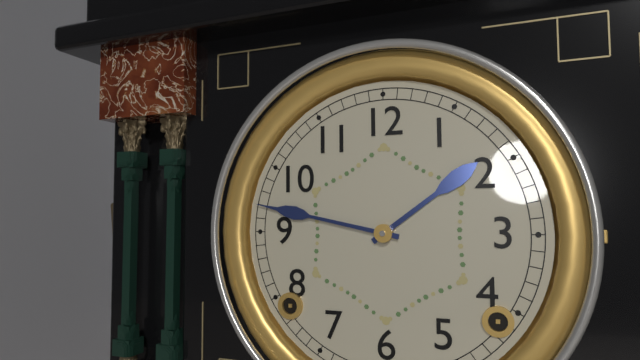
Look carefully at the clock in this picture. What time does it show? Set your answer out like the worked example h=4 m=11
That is h=1 m=47
